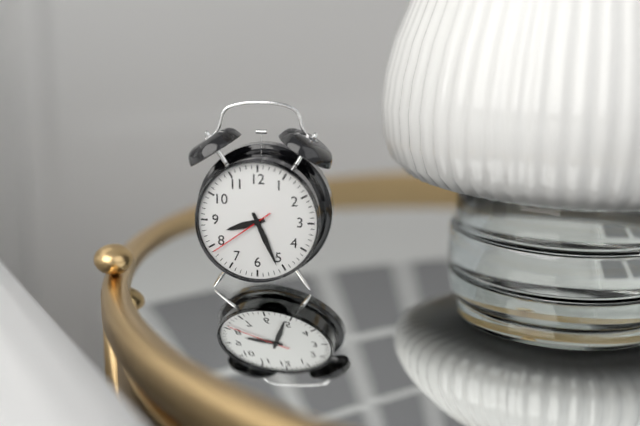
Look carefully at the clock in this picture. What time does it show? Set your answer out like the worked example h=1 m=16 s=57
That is h=8 m=26 s=39
